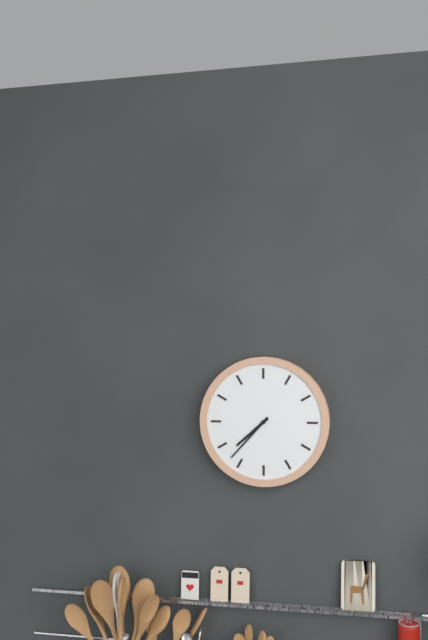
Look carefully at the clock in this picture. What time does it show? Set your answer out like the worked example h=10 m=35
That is h=7 m=37
